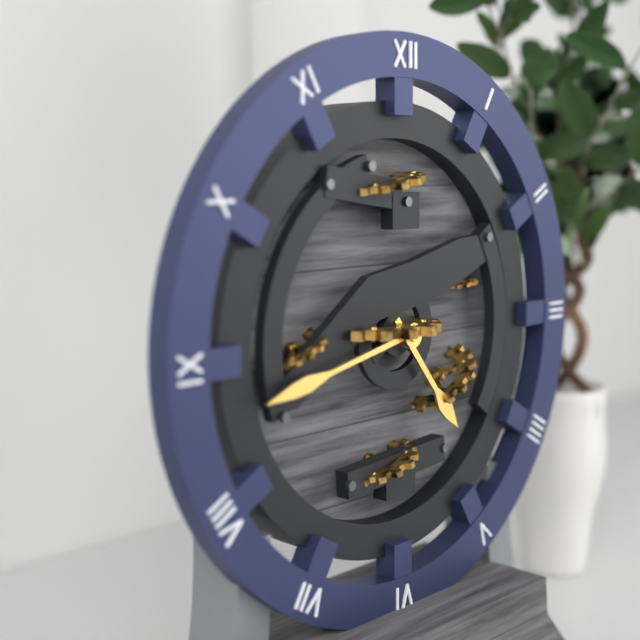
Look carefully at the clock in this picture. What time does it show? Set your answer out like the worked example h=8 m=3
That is h=4 m=43
